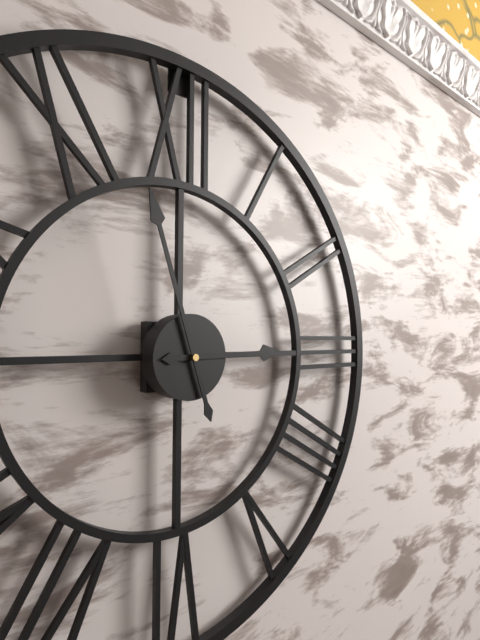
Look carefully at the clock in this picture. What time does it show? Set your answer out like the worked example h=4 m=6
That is h=2 m=57
